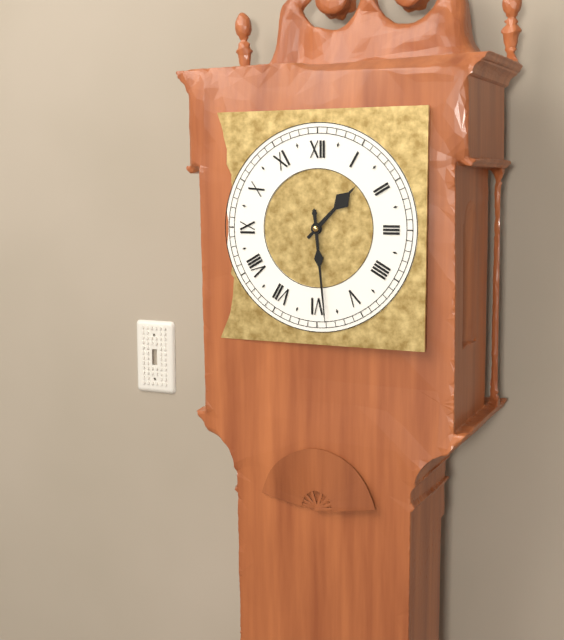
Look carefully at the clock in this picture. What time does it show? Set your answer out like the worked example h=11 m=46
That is h=1 m=29
